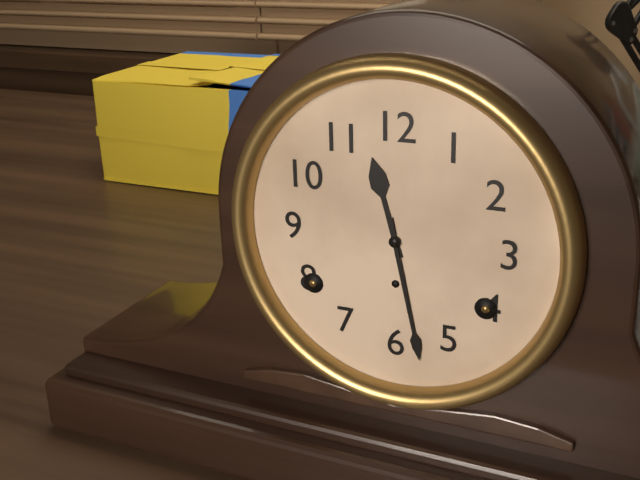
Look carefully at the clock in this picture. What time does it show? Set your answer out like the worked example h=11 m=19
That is h=11 m=28
